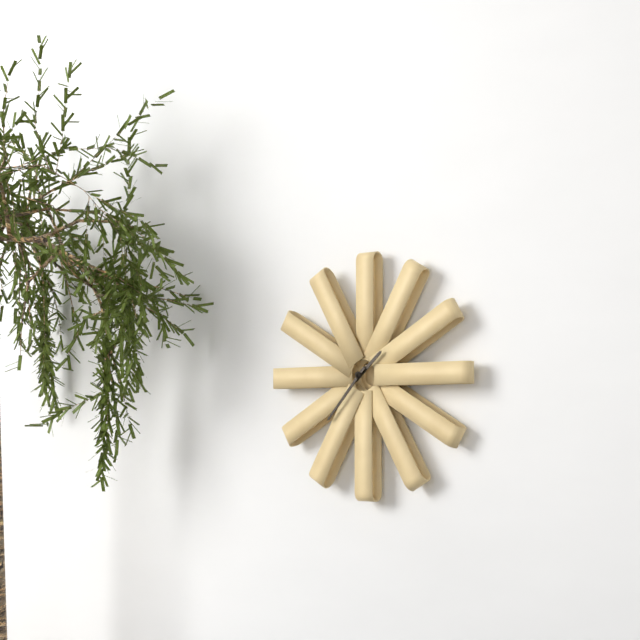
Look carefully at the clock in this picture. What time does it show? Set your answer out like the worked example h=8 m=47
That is h=1 m=37
